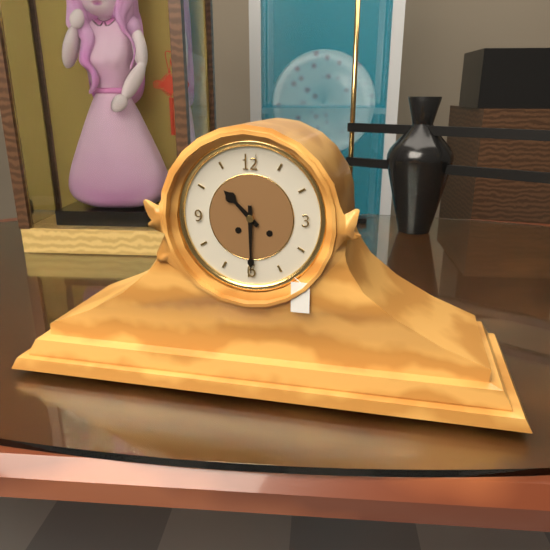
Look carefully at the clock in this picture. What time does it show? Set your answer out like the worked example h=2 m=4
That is h=10 m=30
